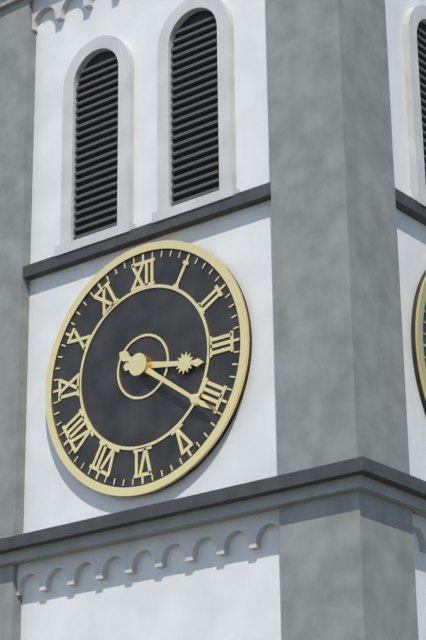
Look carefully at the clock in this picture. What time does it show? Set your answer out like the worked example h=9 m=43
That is h=3 m=21
